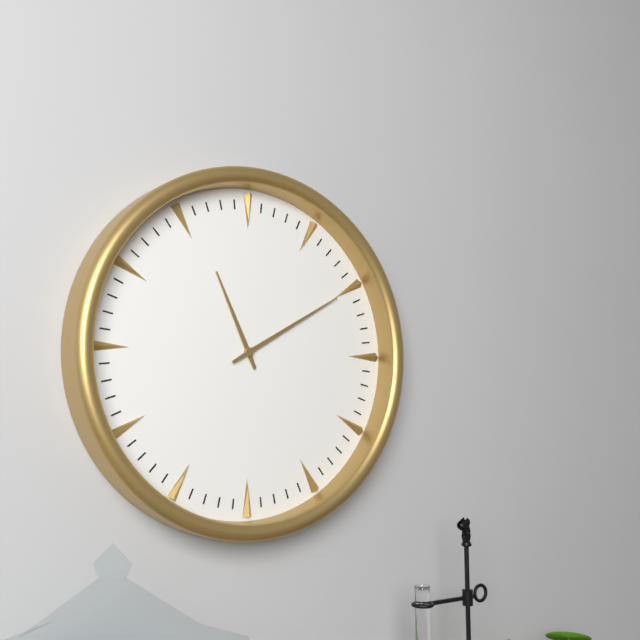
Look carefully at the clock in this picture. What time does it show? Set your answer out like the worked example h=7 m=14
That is h=11 m=10
